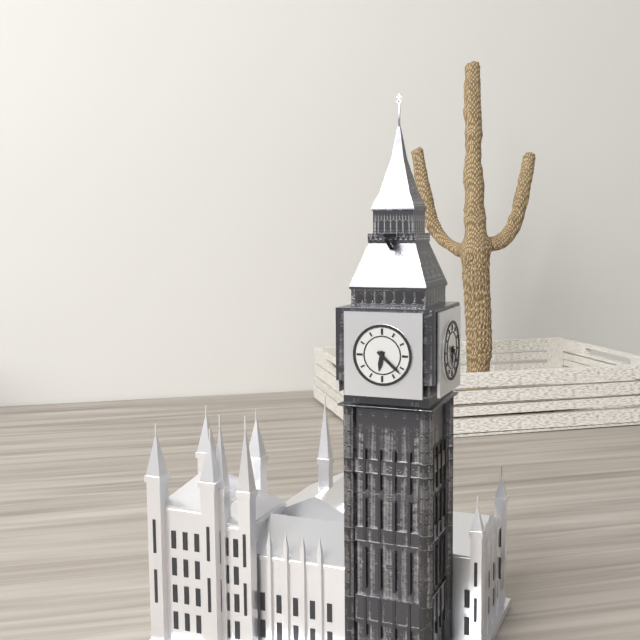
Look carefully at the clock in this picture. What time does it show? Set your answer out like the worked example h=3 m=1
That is h=6 m=22
